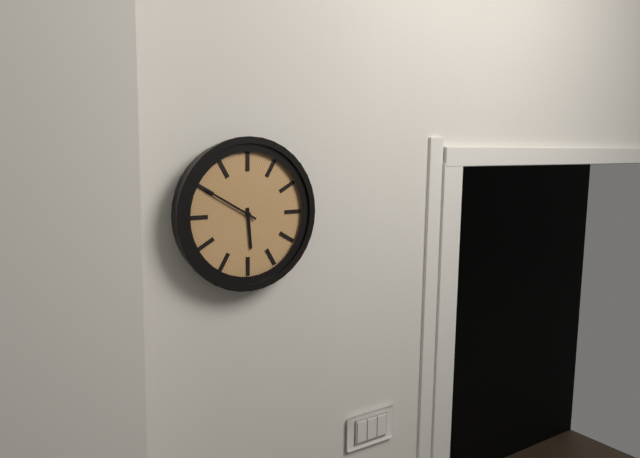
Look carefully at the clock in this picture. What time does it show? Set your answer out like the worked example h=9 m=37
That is h=5 m=50
